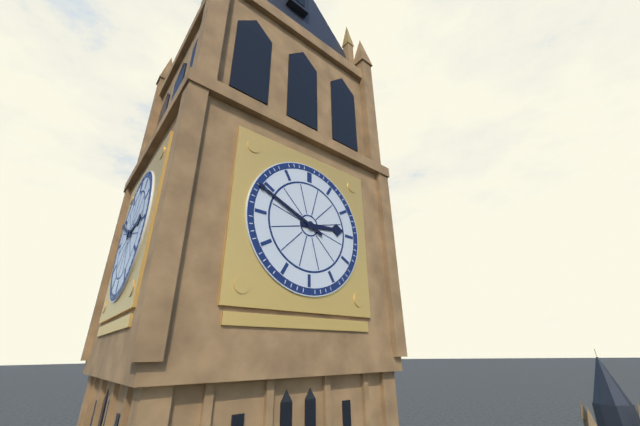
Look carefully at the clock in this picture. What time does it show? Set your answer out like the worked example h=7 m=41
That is h=2 m=49
